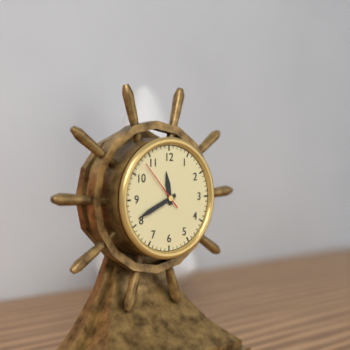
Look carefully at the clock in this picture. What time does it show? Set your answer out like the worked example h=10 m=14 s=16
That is h=11 m=41 s=53
